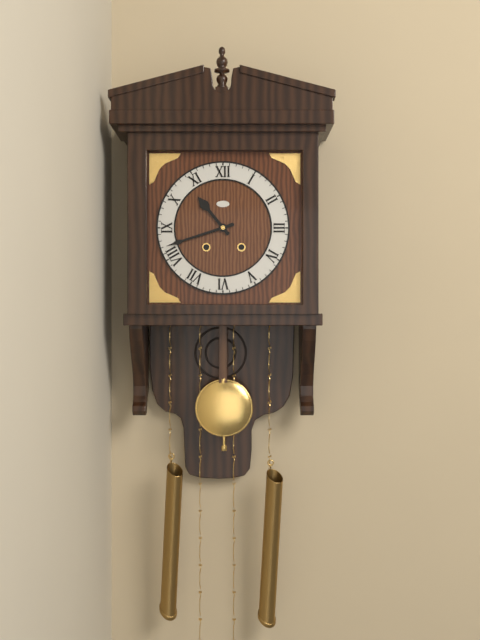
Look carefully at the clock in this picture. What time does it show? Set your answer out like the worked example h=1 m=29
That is h=10 m=42
